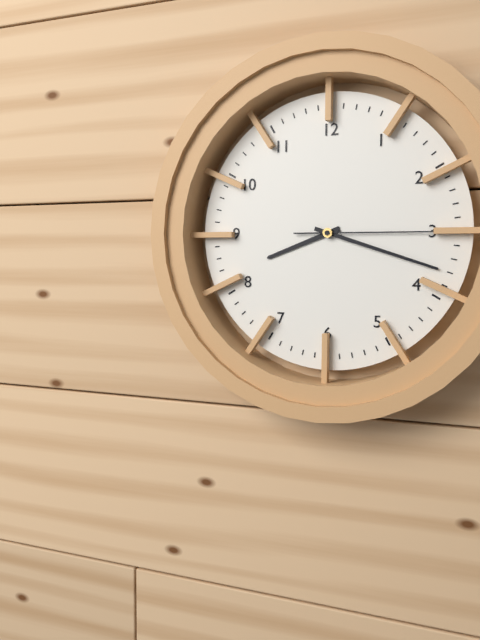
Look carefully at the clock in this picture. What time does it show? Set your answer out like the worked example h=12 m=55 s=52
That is h=8 m=18 s=15
